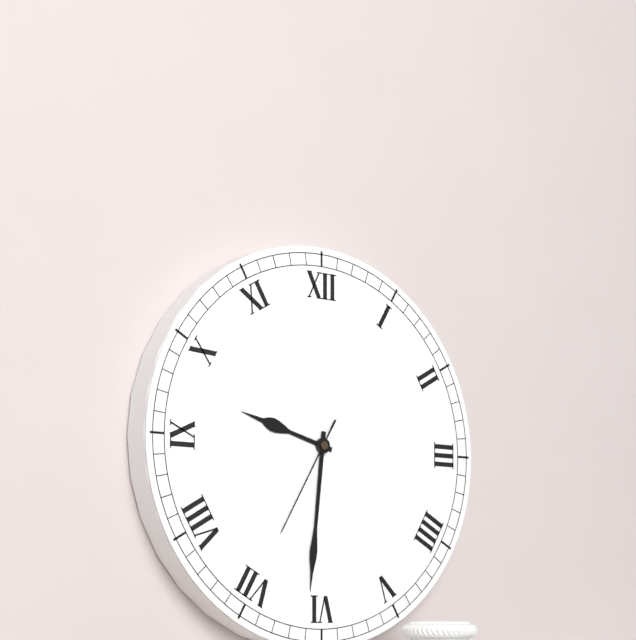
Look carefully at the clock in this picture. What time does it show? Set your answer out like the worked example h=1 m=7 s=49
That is h=9 m=31 s=35
